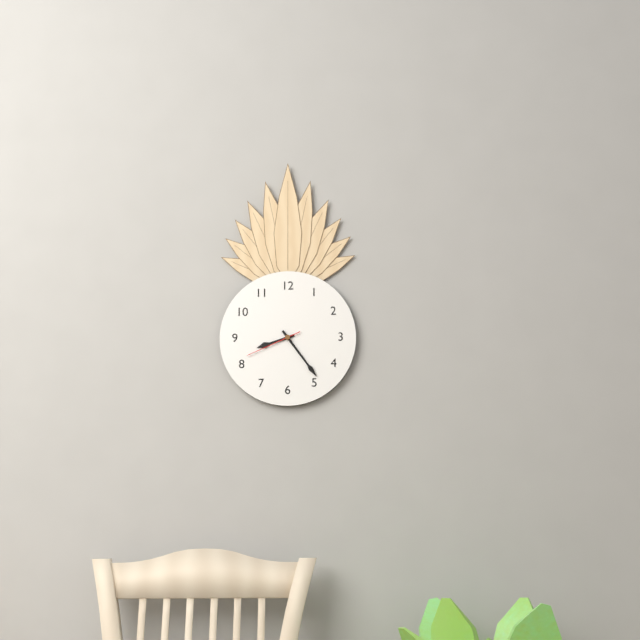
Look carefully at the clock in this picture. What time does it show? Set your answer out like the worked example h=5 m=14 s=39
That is h=8 m=24 s=41
